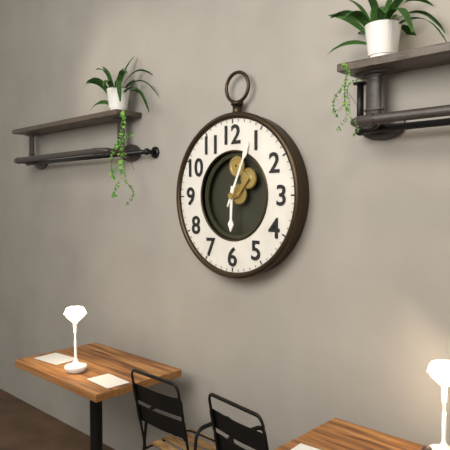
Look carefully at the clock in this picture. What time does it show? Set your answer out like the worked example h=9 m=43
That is h=6 m=4
